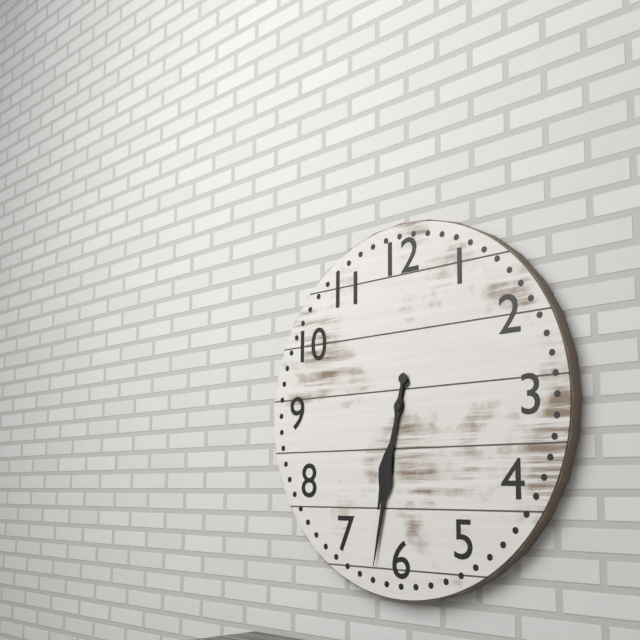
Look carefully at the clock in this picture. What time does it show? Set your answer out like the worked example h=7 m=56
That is h=6 m=32
